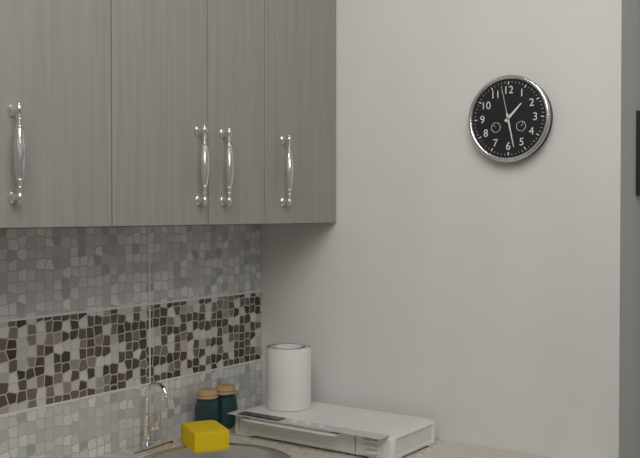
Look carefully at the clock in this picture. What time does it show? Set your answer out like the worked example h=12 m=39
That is h=1 m=28
